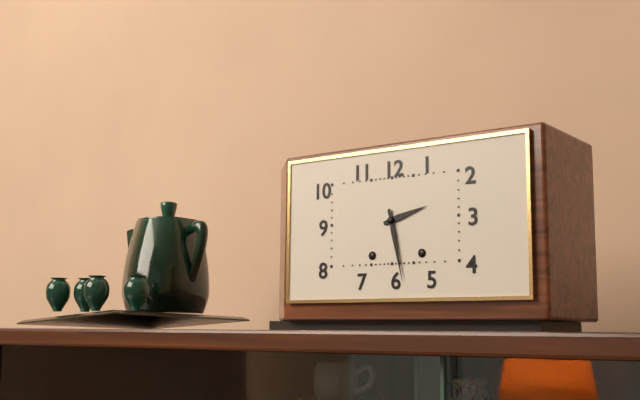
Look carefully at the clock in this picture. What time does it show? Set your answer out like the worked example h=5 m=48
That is h=2 m=28
